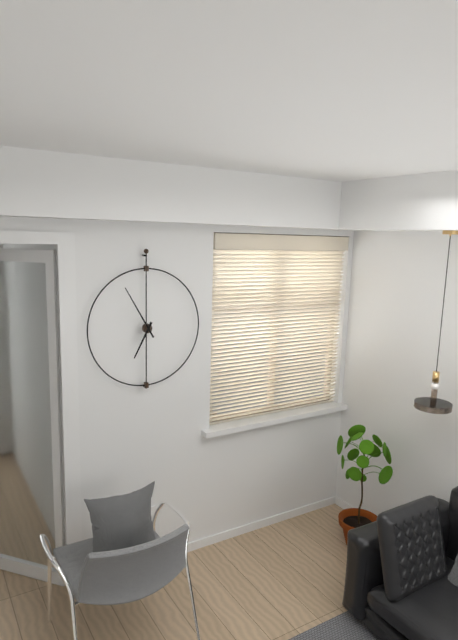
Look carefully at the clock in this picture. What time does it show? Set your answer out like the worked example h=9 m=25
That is h=6 m=55
